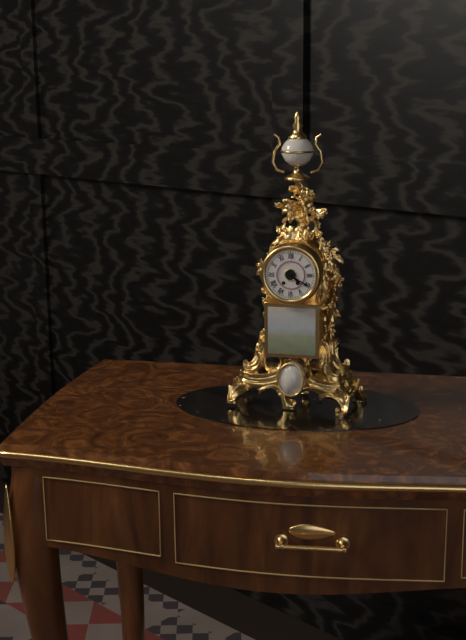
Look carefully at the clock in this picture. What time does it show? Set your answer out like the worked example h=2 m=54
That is h=4 m=20
